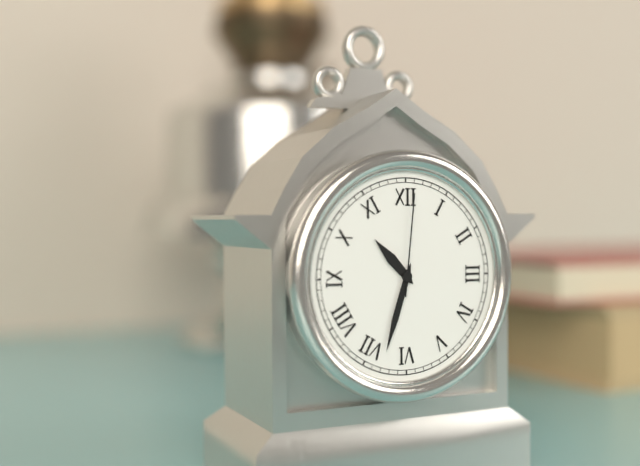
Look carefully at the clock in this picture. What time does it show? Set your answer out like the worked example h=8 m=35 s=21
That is h=10 m=33 s=1
